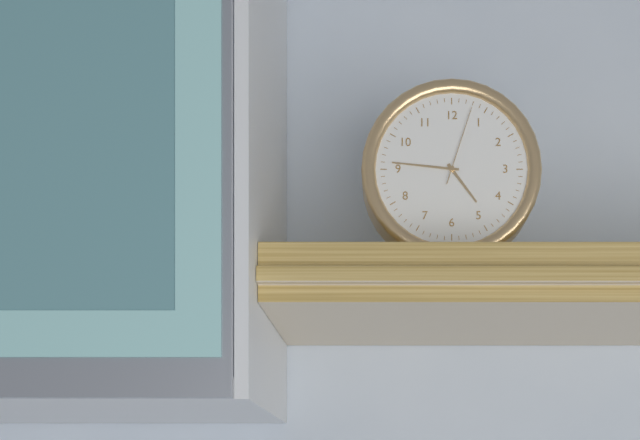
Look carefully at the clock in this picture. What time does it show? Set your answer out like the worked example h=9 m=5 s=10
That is h=4 m=46 s=3
